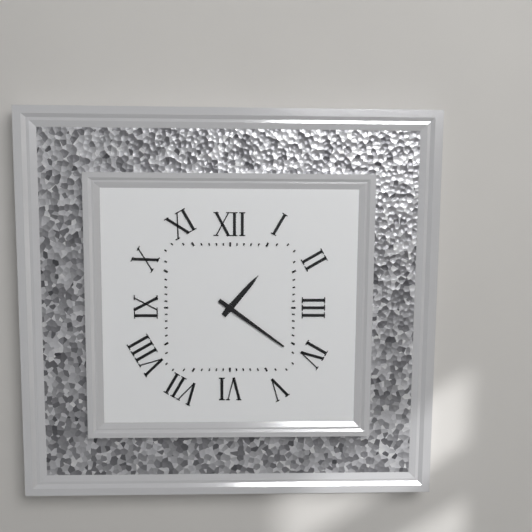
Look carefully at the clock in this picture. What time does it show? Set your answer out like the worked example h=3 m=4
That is h=1 m=21
